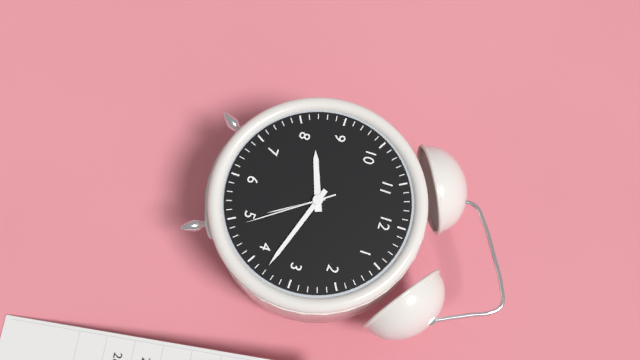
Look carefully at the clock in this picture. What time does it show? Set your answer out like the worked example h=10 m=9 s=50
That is h=8 m=18 s=24
